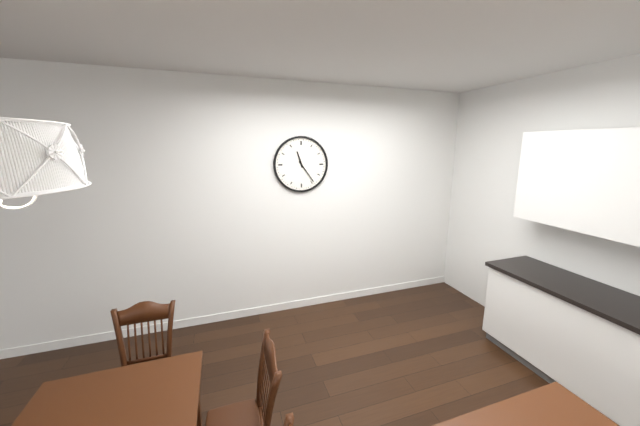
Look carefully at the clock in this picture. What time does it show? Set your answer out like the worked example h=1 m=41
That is h=11 m=24
